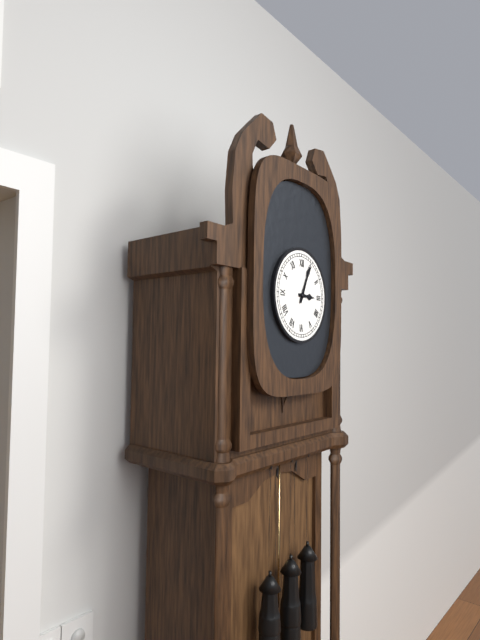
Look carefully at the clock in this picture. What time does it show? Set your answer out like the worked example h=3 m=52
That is h=3 m=4
